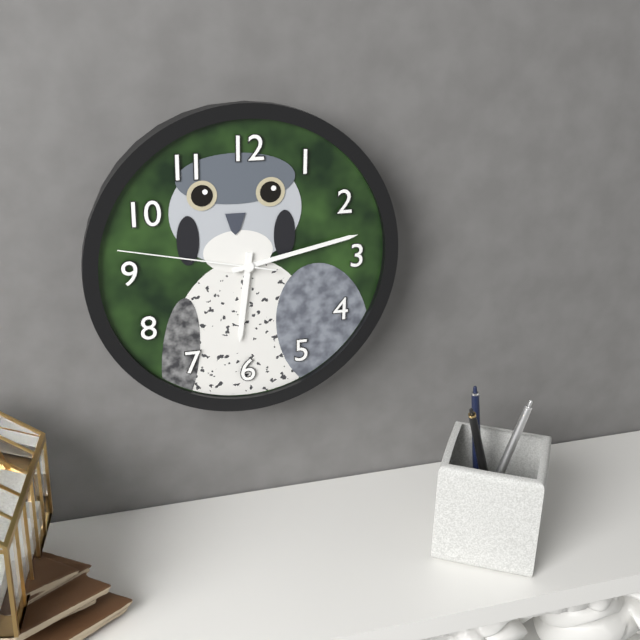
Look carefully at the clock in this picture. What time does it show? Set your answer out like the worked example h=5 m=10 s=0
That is h=6 m=13 s=47
